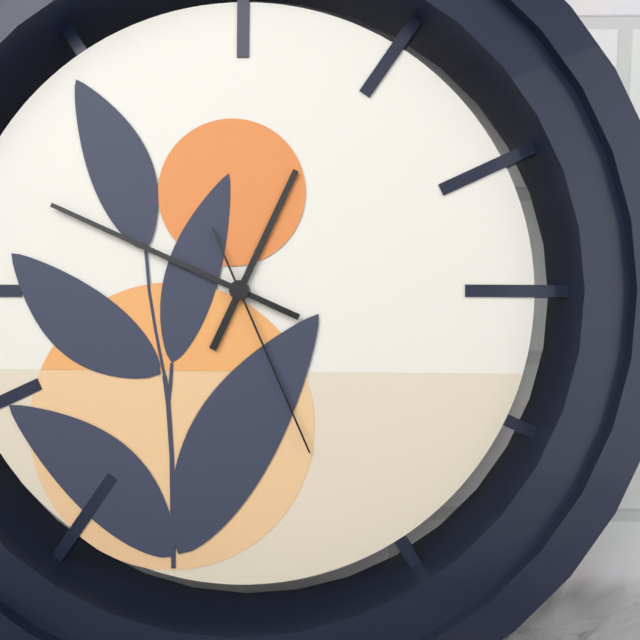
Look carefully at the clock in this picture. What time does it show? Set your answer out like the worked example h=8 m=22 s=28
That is h=12 m=49 s=26
